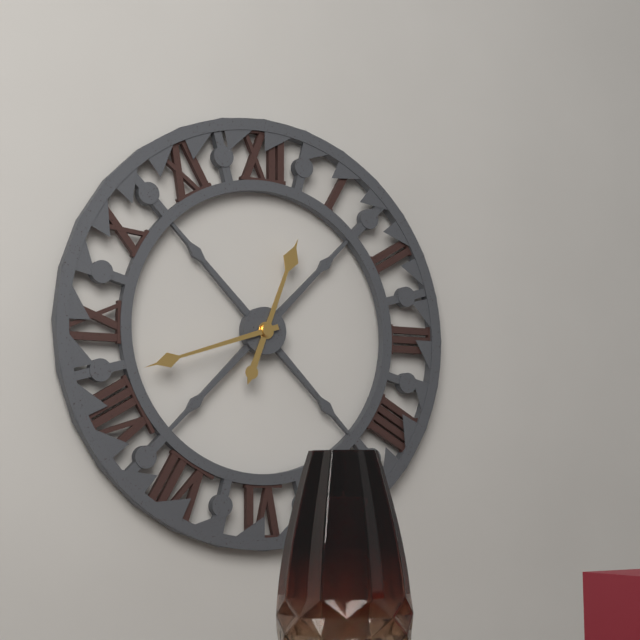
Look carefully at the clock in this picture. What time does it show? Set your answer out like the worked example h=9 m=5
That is h=12 m=42
